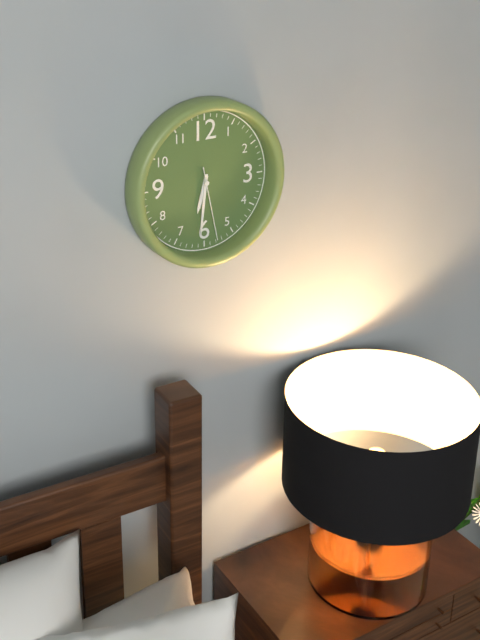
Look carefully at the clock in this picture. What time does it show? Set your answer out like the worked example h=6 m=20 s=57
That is h=6 m=31 s=28
